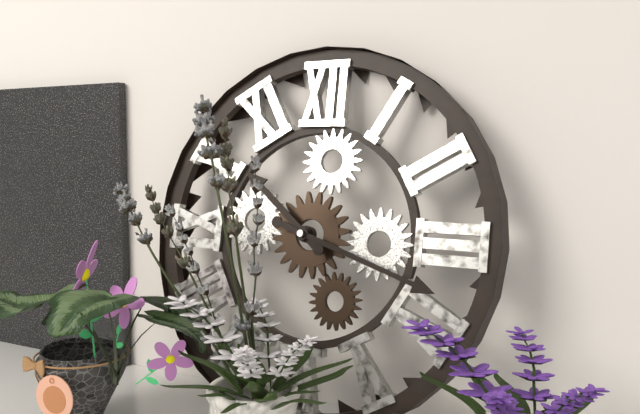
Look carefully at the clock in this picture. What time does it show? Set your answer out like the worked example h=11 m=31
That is h=10 m=18
